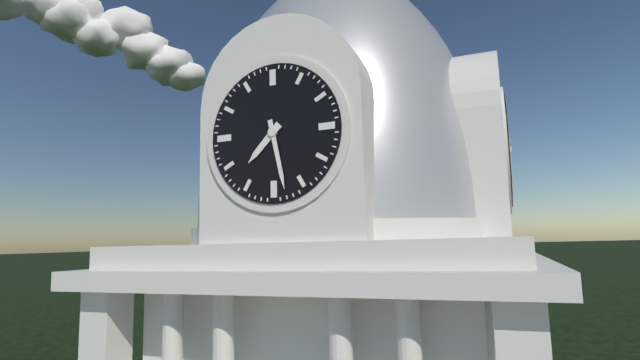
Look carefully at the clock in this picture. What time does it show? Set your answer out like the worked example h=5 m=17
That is h=7 m=28
